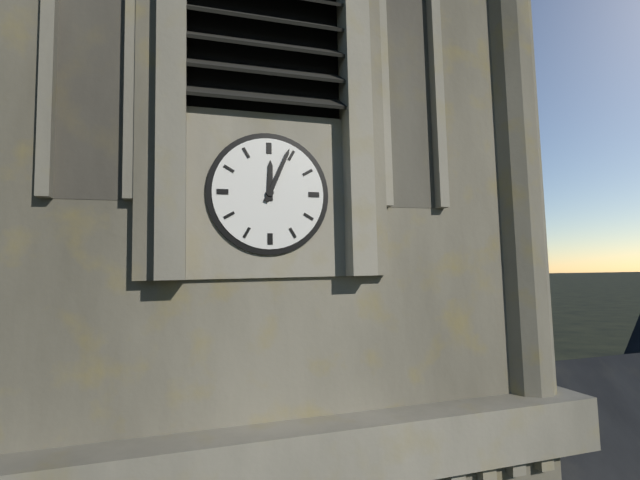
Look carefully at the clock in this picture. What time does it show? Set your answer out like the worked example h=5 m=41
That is h=12 m=4
